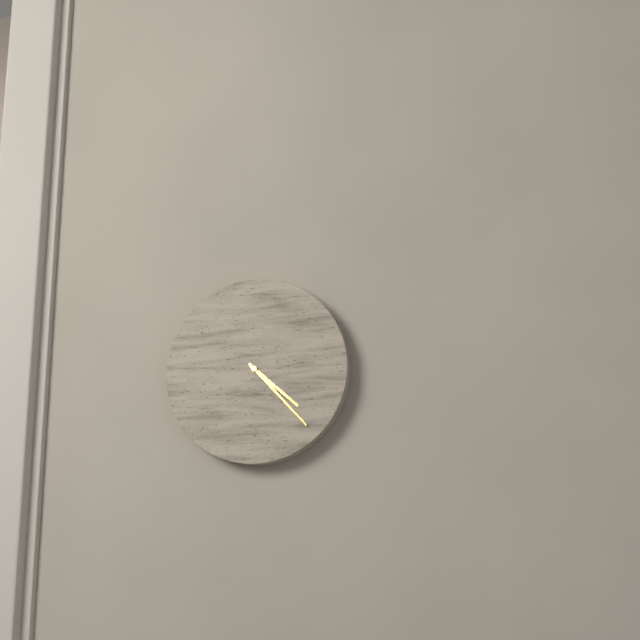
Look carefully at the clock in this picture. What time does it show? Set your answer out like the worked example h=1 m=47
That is h=4 m=23
